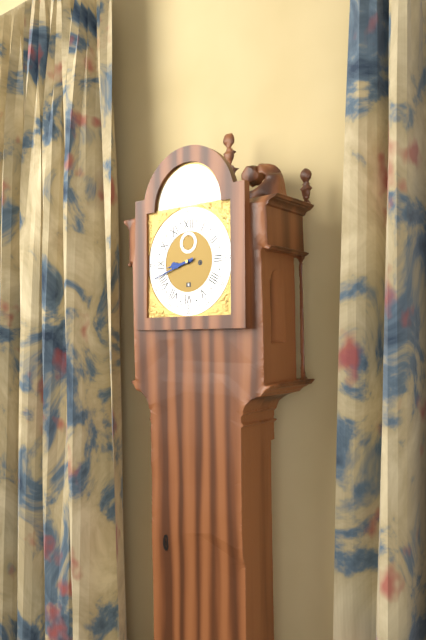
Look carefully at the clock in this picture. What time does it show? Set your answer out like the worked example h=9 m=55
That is h=8 m=42
